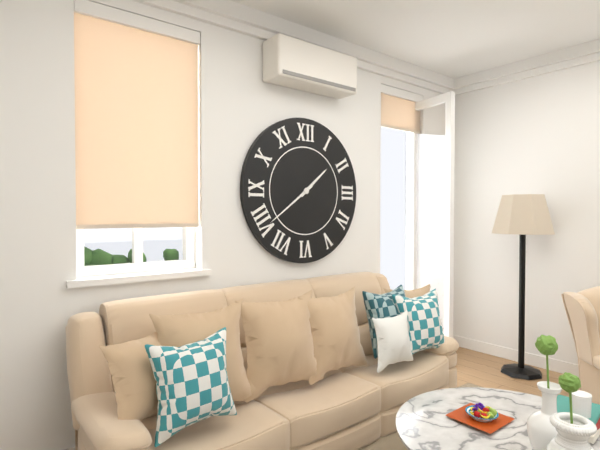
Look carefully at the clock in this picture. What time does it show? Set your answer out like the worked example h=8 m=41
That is h=1 m=39
